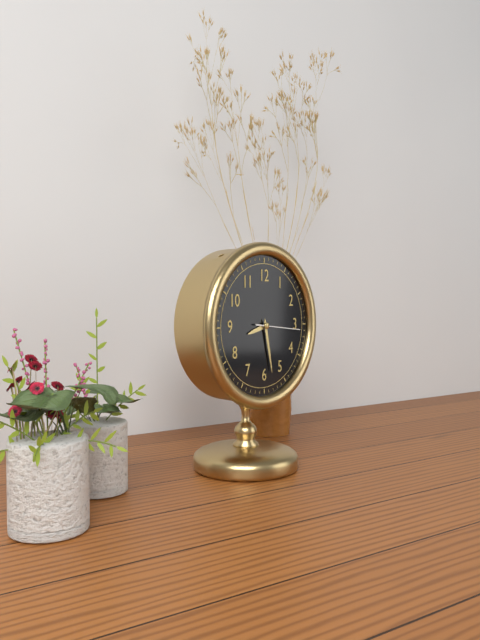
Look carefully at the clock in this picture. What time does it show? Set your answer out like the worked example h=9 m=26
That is h=8 m=28
